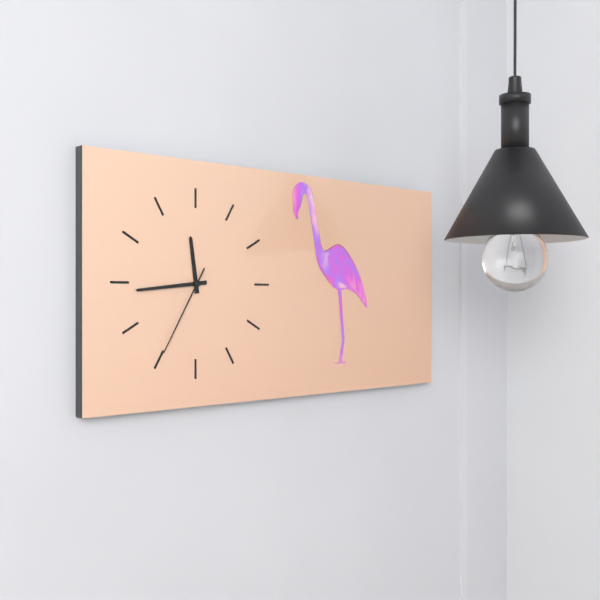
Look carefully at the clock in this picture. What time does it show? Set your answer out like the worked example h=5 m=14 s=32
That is h=11 m=44 s=35
